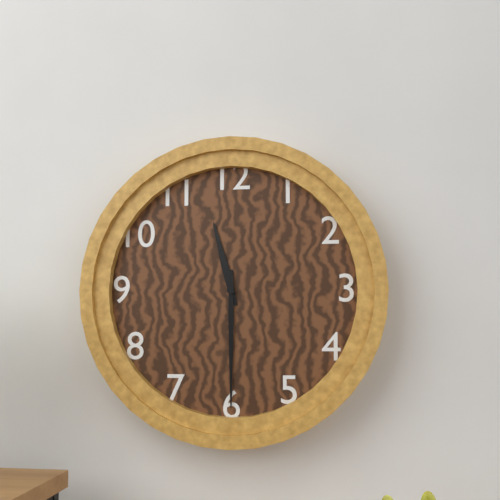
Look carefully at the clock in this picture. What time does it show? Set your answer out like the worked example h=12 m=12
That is h=11 m=30
